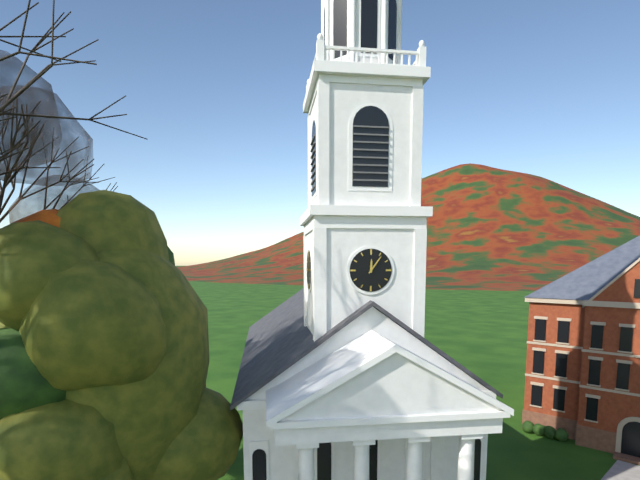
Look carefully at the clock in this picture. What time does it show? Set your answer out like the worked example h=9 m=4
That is h=12 m=6
